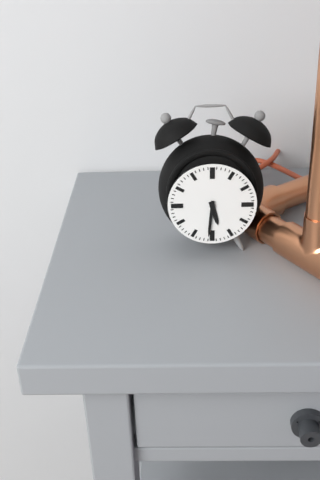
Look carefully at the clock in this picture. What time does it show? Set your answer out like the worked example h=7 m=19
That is h=5 m=31
